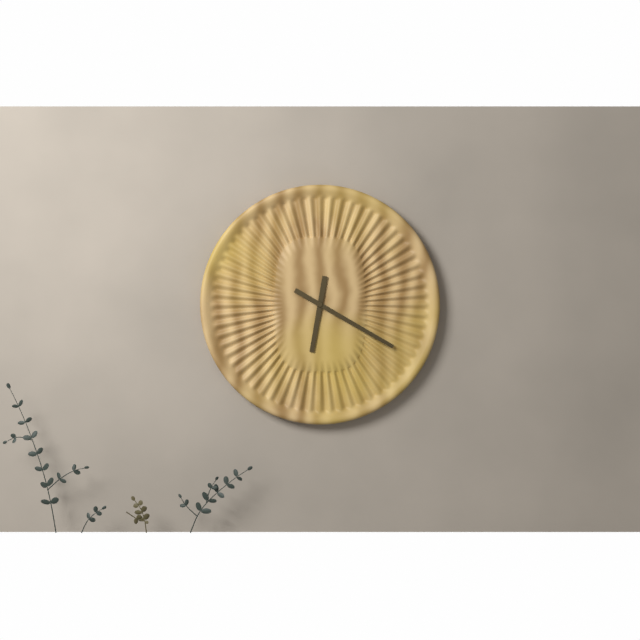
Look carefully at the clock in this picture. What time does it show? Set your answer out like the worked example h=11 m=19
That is h=6 m=20
